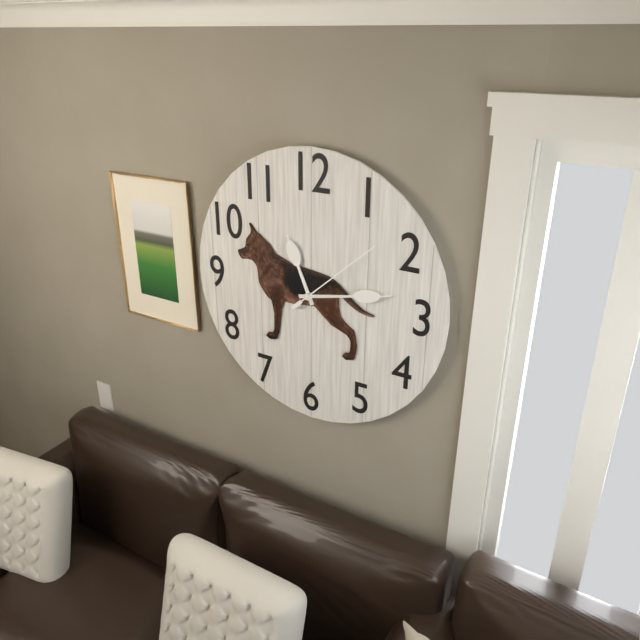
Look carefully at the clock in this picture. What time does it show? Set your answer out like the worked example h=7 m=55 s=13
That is h=11 m=13 s=8
